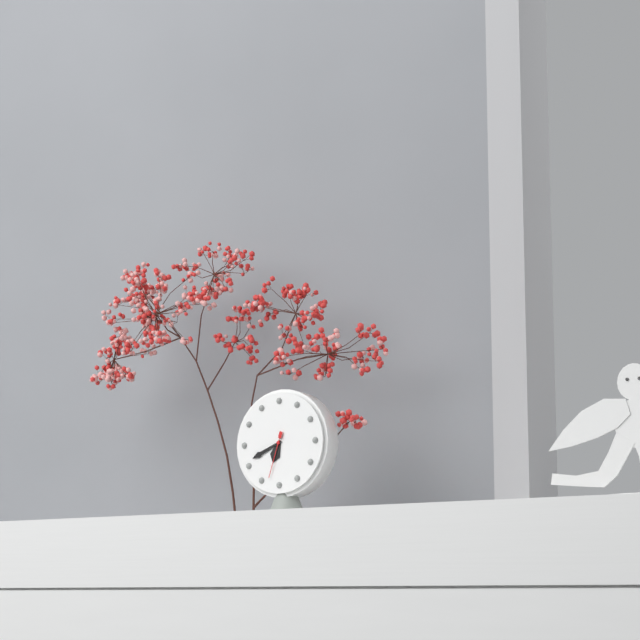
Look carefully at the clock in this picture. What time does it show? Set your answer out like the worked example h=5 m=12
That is h=6 m=41
